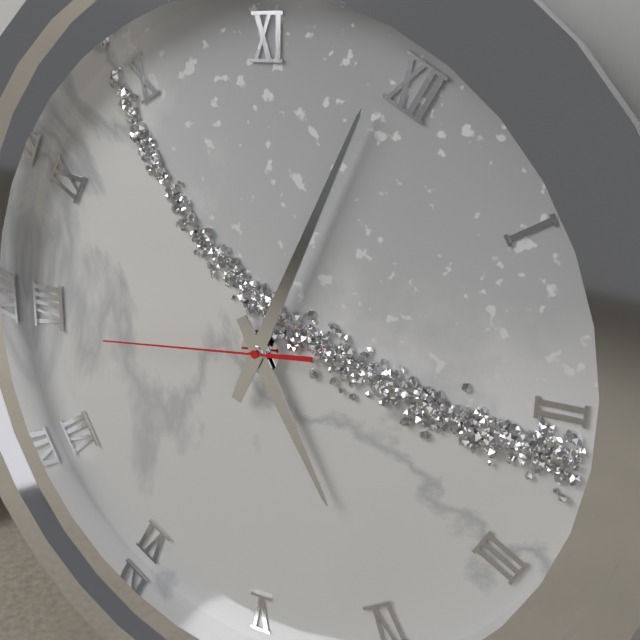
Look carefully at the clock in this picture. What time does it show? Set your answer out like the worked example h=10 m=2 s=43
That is h=3 m=59 s=39
